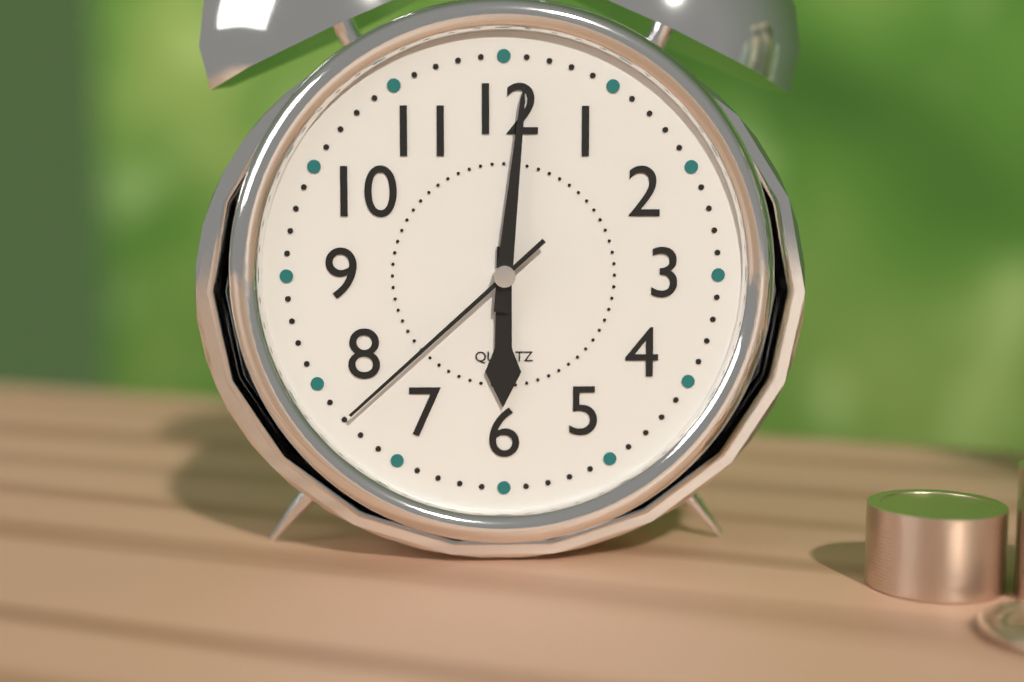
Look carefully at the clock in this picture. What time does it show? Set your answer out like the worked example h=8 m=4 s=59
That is h=6 m=1 s=38
